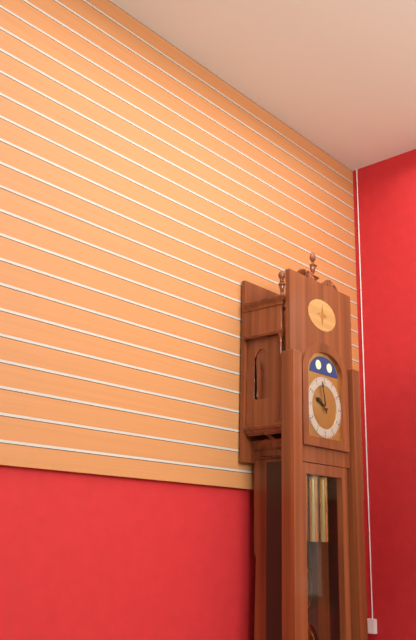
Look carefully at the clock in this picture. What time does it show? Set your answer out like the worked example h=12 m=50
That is h=9 m=58
